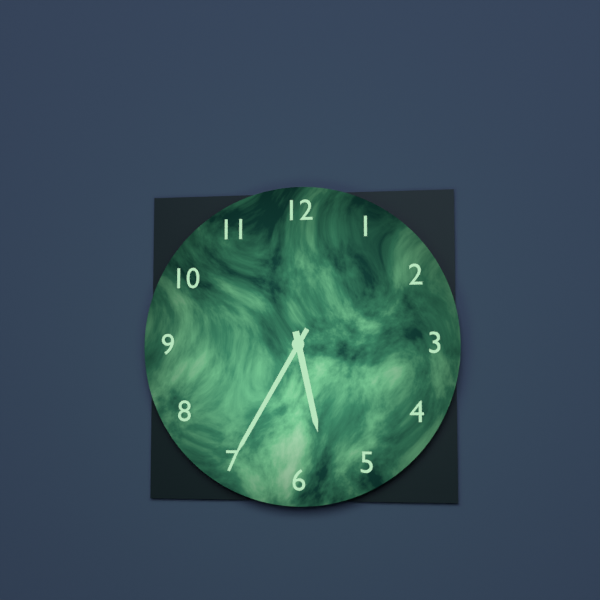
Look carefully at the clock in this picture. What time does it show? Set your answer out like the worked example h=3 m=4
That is h=5 m=35
